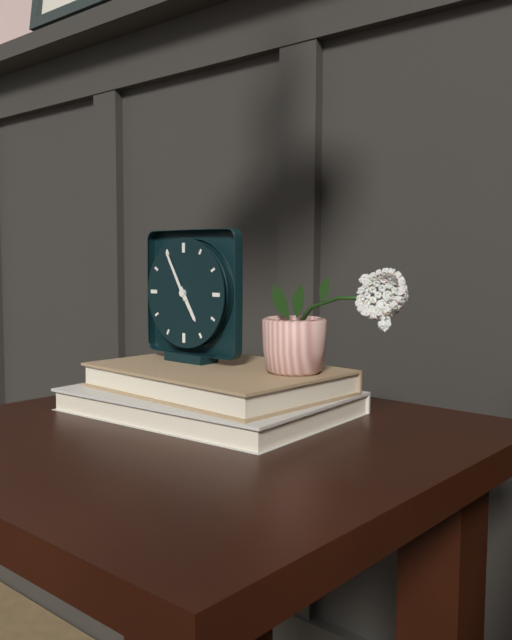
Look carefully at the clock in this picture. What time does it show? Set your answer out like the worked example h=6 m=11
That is h=4 m=55
